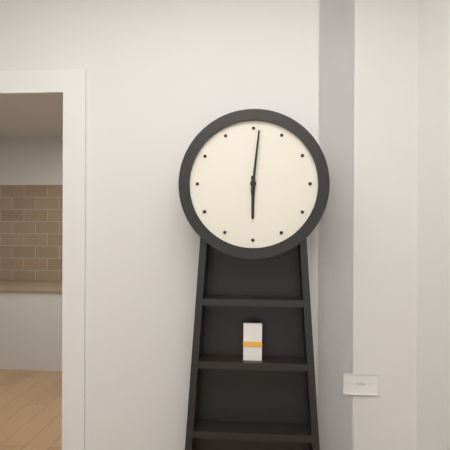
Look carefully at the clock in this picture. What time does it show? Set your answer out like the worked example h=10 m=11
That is h=6 m=1
